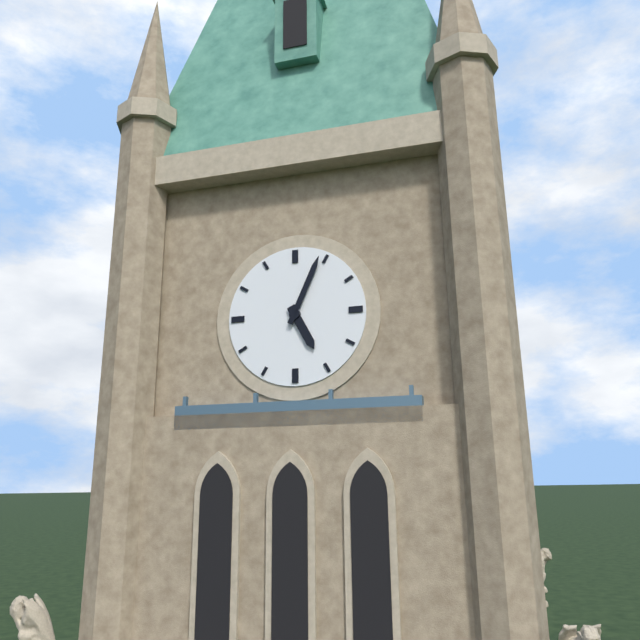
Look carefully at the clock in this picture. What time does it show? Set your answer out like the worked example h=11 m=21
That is h=5 m=4
